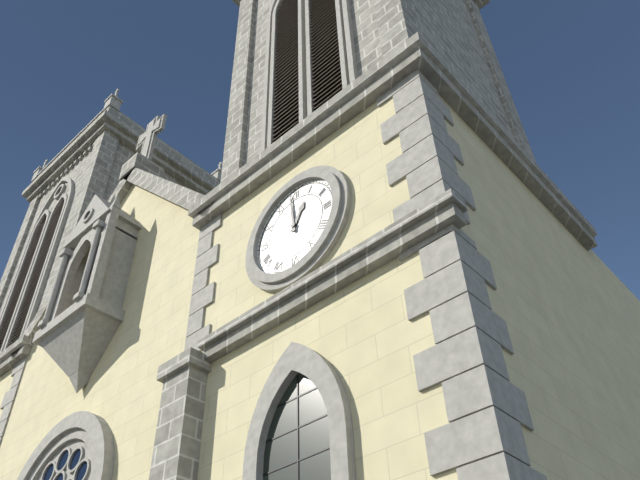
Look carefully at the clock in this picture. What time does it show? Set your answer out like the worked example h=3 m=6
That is h=12 m=59
